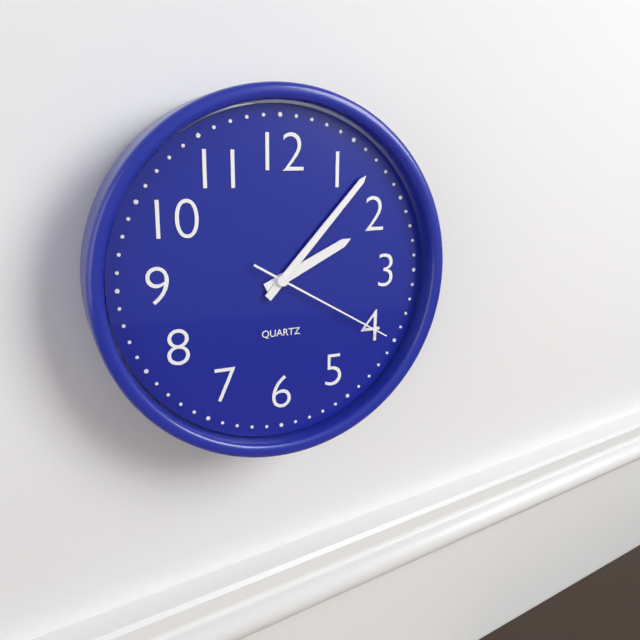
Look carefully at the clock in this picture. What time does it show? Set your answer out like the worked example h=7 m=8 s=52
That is h=2 m=7 s=20
